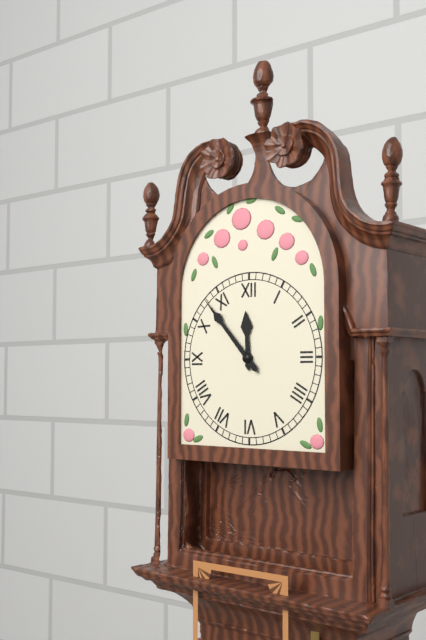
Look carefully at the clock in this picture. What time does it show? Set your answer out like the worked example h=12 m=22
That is h=11 m=53
